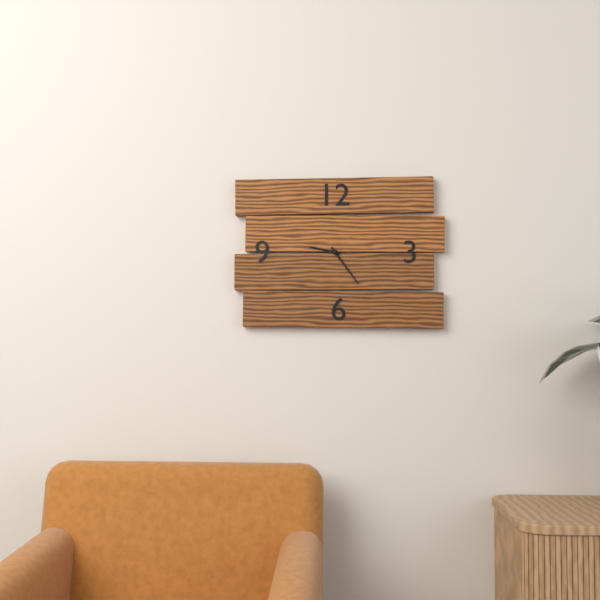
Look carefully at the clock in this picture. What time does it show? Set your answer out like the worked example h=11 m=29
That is h=9 m=24
